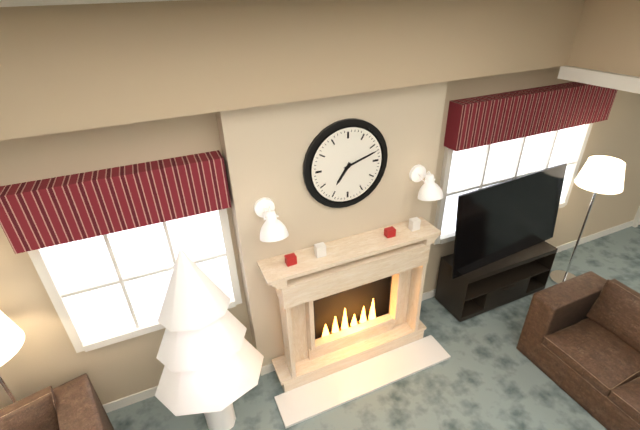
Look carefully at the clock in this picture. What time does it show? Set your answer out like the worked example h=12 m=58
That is h=7 m=12
